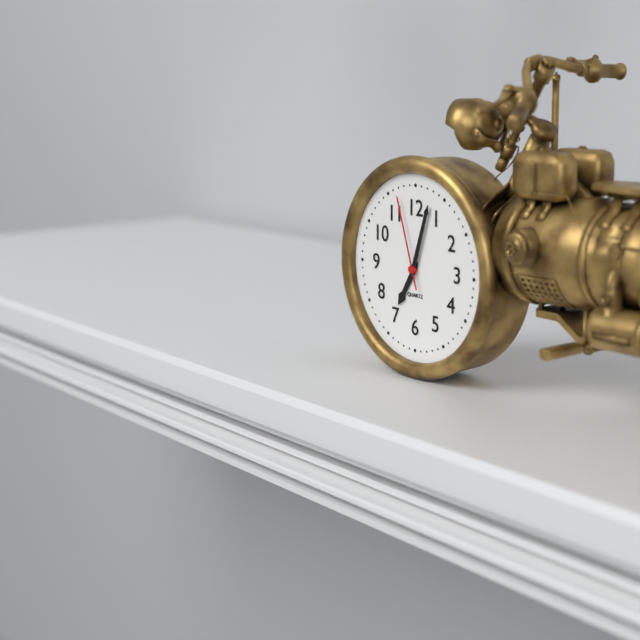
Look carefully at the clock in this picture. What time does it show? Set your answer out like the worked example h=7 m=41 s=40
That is h=7 m=3 s=57
